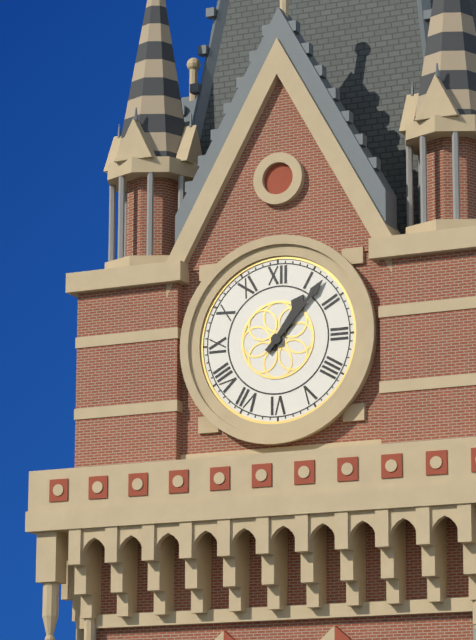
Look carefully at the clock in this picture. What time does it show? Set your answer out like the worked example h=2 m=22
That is h=1 m=7
